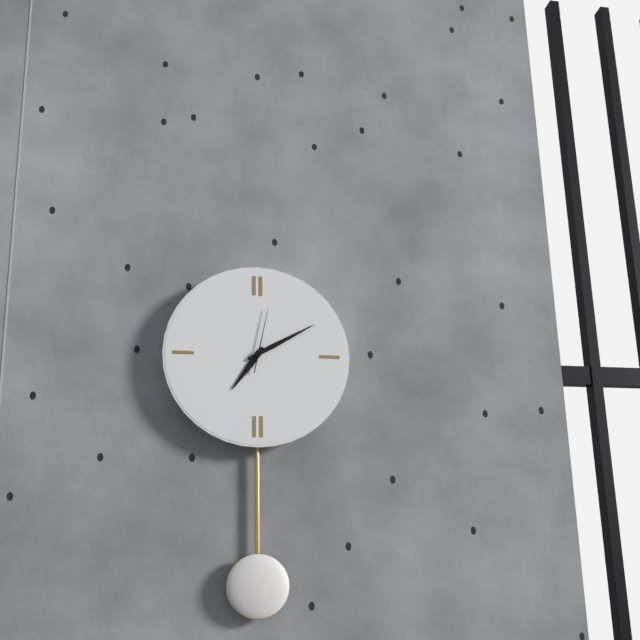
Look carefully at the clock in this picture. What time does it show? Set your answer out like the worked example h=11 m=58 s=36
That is h=7 m=10 s=2
